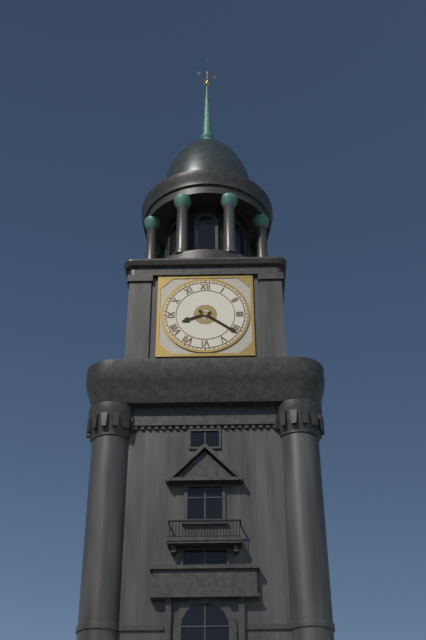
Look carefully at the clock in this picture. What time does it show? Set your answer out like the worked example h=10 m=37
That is h=8 m=21
